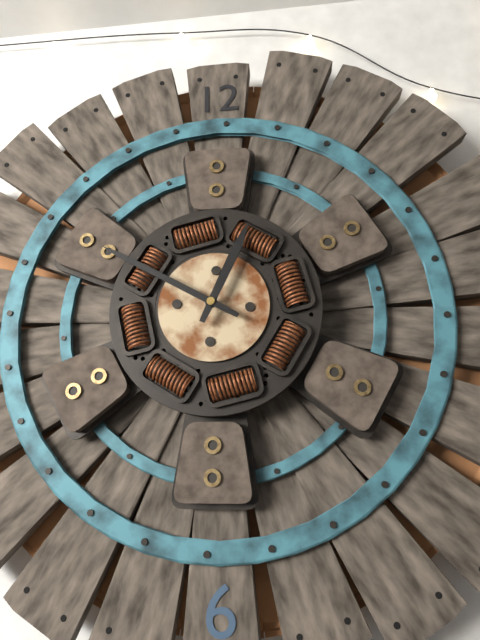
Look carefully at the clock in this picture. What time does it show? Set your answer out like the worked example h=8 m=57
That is h=12 m=50
